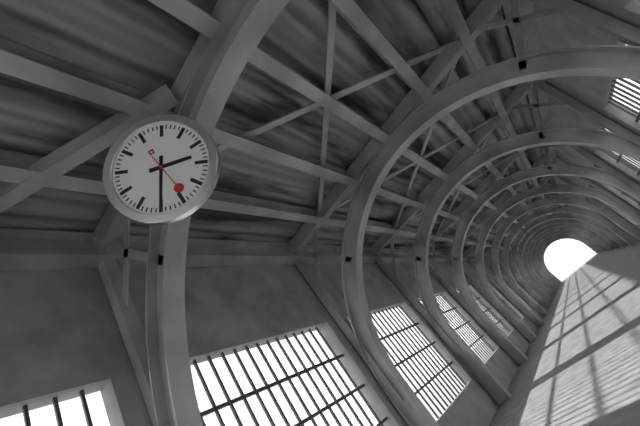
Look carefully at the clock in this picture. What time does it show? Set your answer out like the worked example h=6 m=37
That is h=3 m=35
